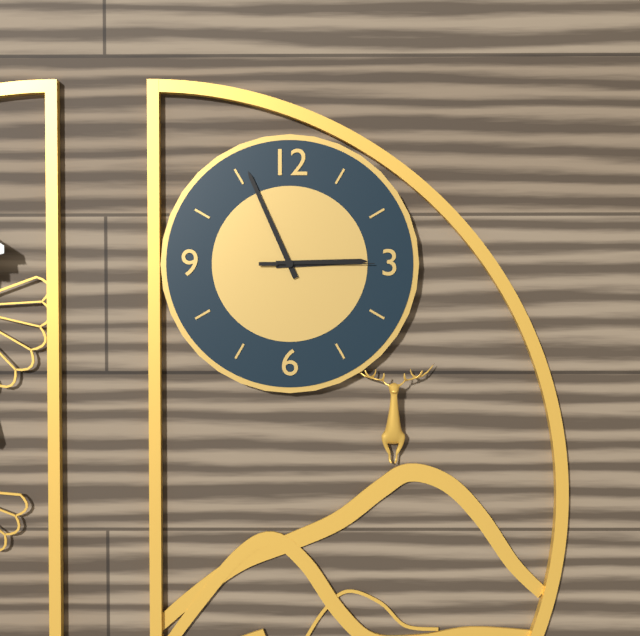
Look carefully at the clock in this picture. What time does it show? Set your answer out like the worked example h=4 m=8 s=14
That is h=2 m=56 s=15
